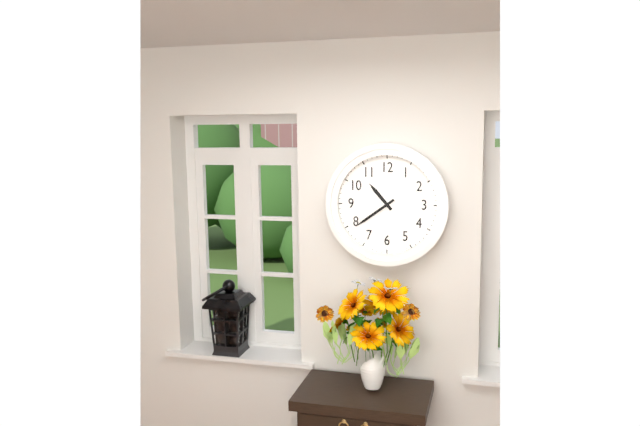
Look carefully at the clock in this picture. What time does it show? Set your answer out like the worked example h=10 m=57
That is h=10 m=39
